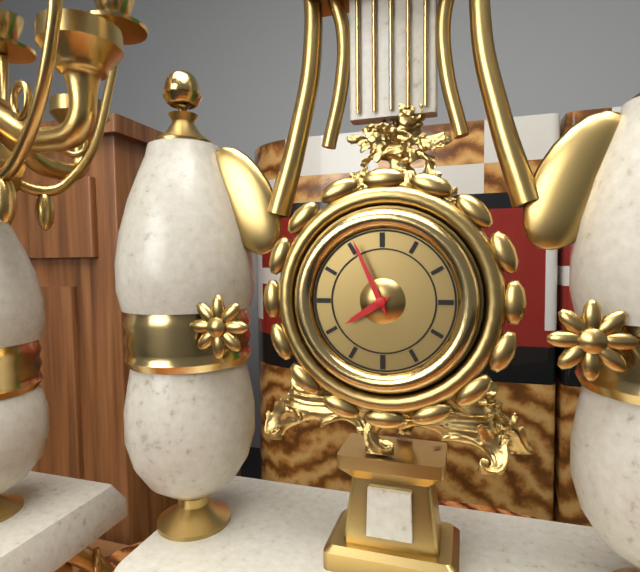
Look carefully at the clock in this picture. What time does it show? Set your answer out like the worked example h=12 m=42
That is h=7 m=56
